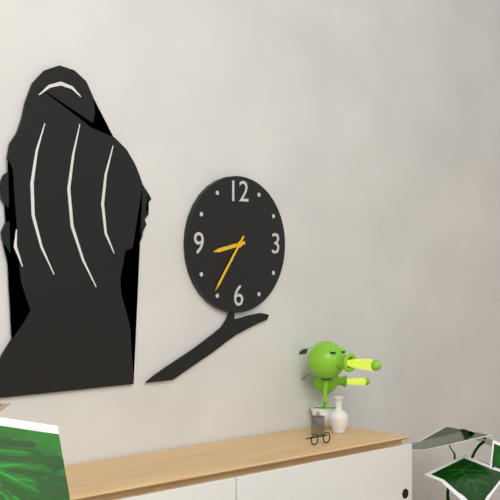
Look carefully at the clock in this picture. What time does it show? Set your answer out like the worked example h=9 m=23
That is h=8 m=36
